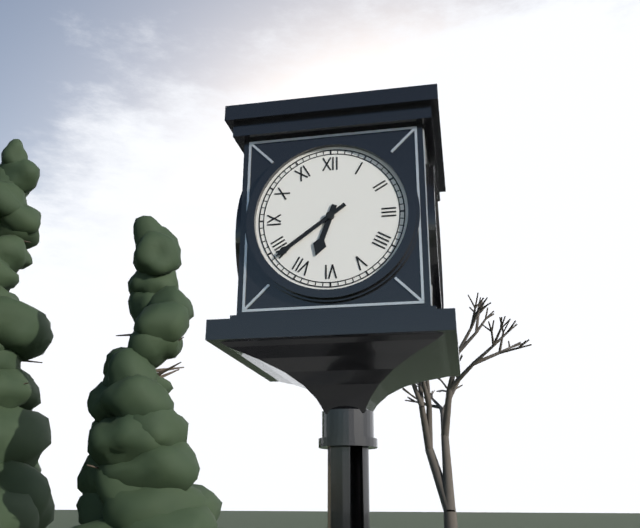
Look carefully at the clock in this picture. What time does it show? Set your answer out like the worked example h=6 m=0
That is h=6 m=39
